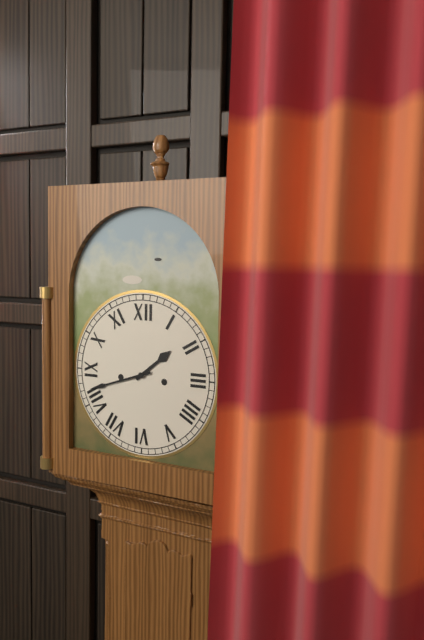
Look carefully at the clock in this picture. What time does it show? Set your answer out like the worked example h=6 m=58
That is h=1 m=42
